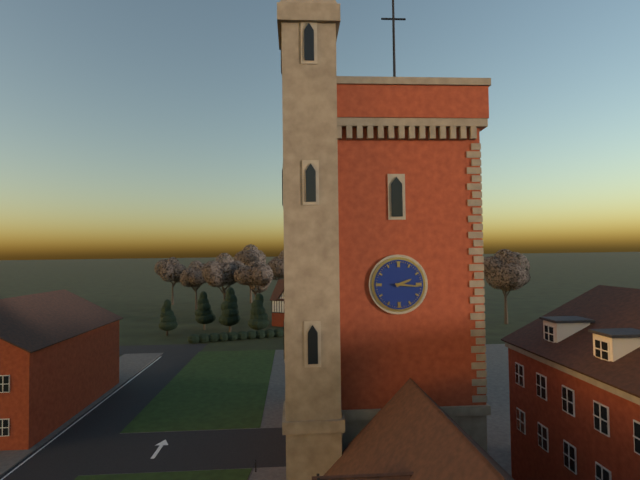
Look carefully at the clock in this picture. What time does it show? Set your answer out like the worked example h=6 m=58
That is h=2 m=16
